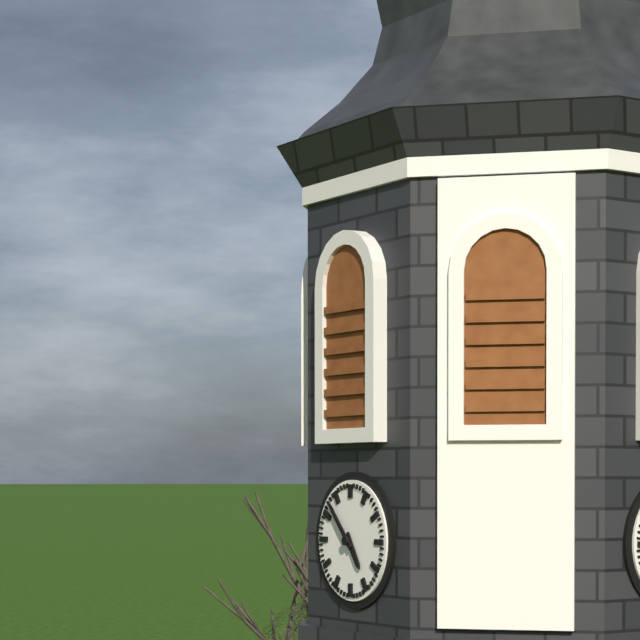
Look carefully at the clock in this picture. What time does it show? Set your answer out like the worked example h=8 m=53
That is h=4 m=53
